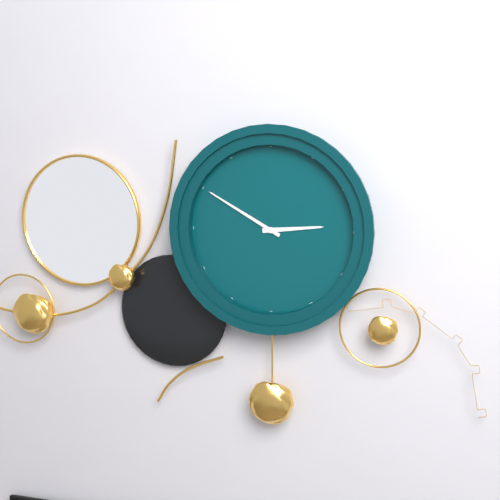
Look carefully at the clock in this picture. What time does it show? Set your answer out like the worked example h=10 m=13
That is h=2 m=50
